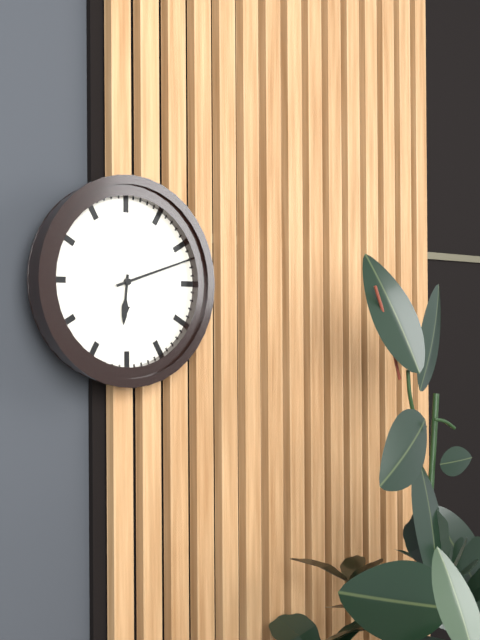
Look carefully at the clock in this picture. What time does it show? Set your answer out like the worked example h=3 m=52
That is h=6 m=12
